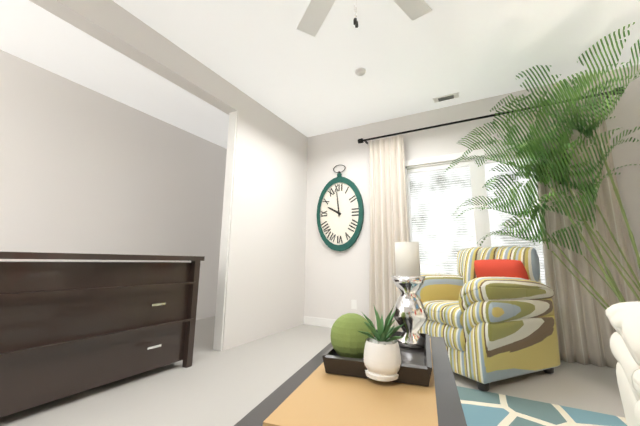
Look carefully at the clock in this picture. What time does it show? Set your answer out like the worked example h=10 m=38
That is h=9 m=59
